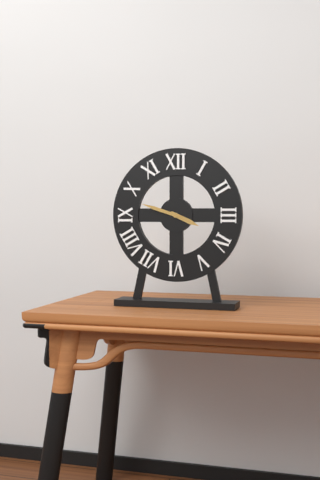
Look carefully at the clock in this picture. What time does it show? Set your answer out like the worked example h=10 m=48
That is h=3 m=48
